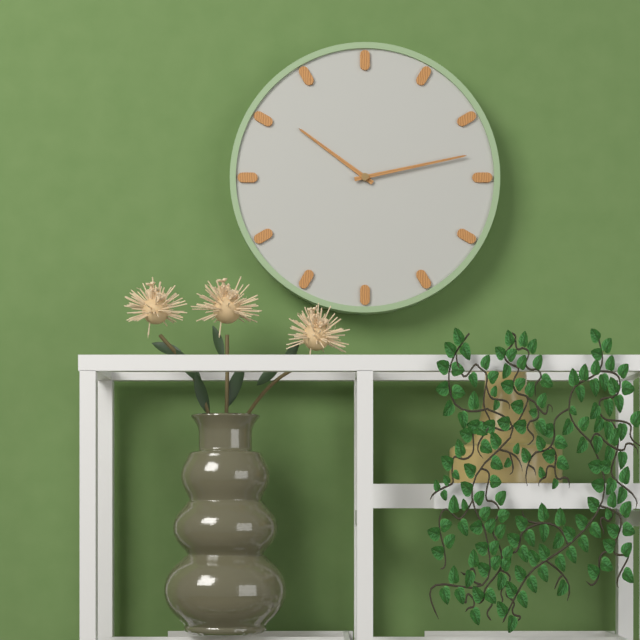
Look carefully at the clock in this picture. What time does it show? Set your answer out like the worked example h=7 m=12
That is h=10 m=13
